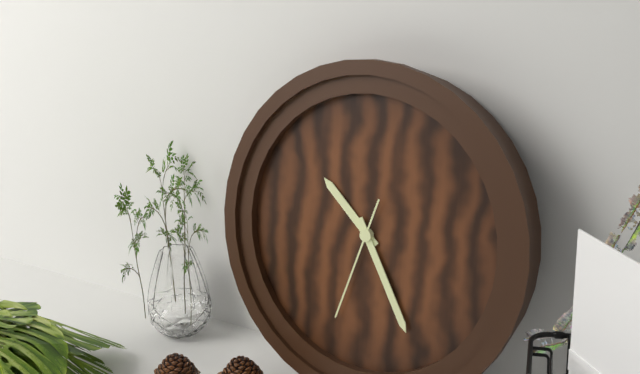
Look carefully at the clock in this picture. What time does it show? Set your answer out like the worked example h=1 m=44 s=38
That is h=10 m=25 s=33
